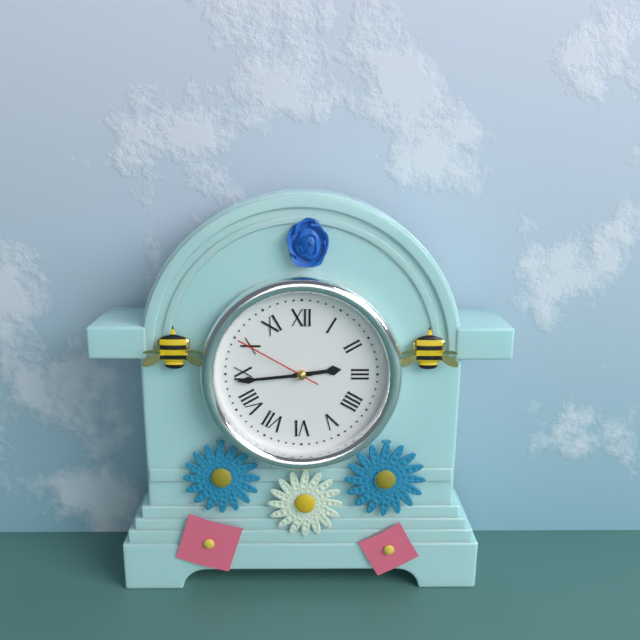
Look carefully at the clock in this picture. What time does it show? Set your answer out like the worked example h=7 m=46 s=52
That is h=2 m=44 s=50
